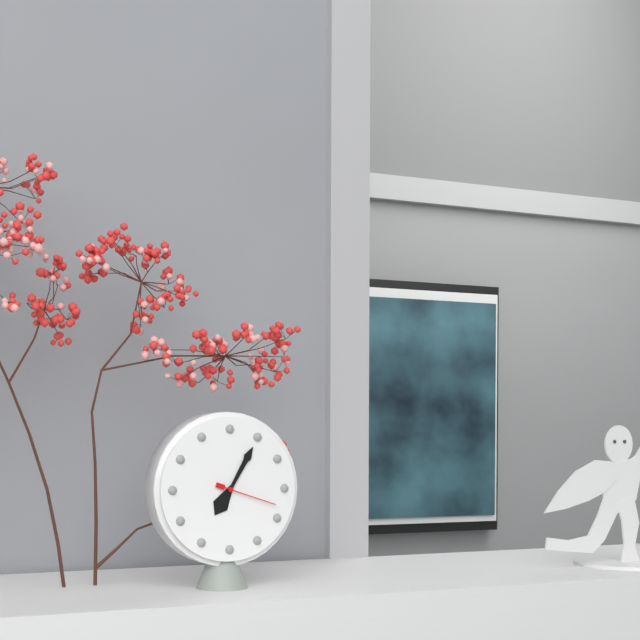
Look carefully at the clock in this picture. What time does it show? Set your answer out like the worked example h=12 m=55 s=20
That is h=7 m=5 s=18
